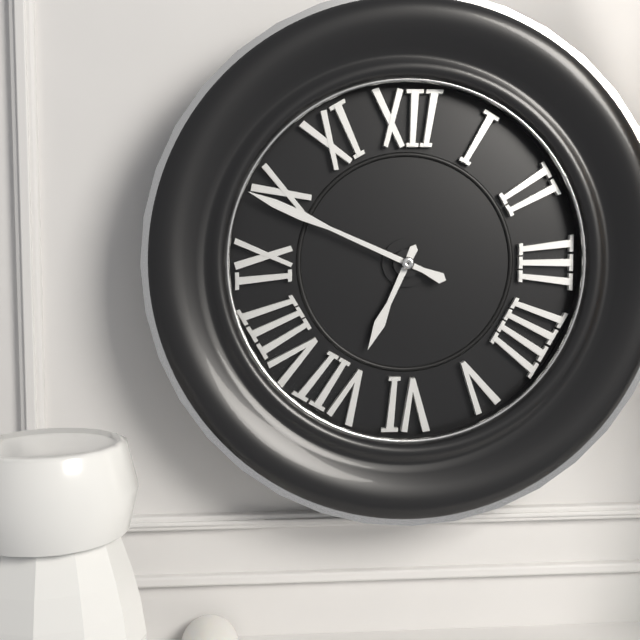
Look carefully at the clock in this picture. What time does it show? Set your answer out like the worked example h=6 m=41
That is h=6 m=49
